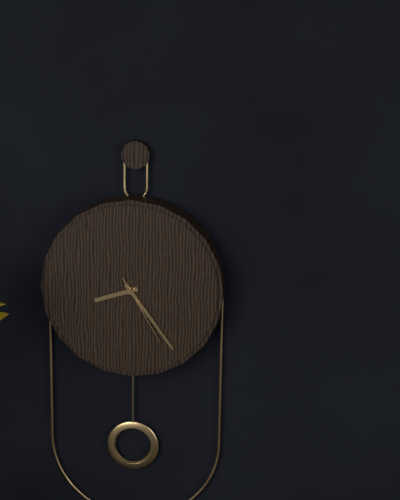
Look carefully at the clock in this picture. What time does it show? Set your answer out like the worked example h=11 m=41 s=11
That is h=8 m=24 s=25
